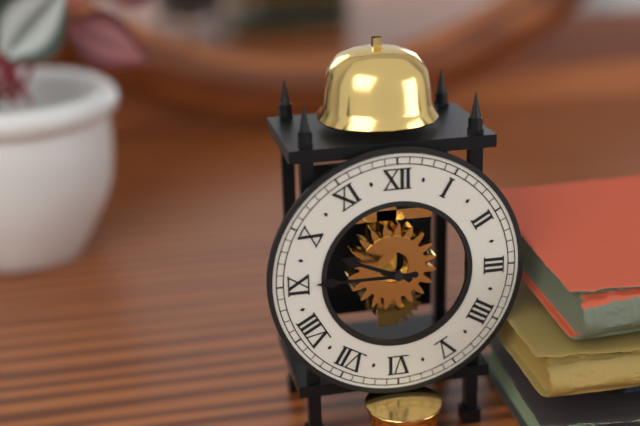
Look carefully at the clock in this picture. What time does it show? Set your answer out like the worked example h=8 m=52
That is h=9 m=45
